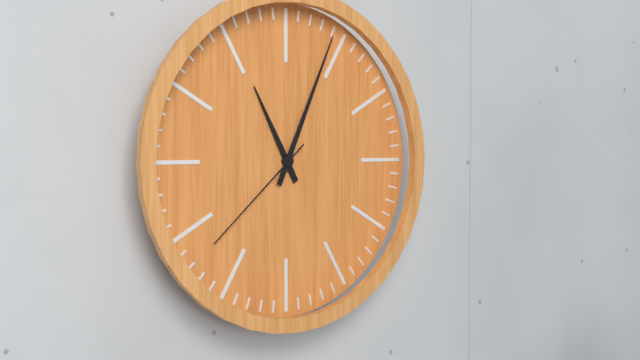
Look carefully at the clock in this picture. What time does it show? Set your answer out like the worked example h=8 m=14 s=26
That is h=11 m=4 s=38
